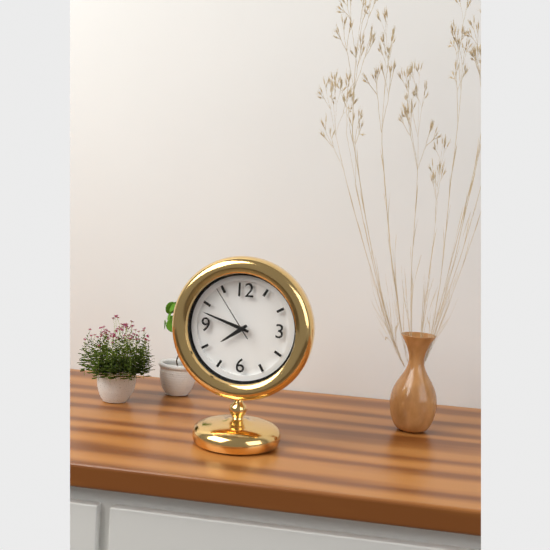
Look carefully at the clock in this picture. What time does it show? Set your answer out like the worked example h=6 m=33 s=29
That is h=7 m=48 s=54
